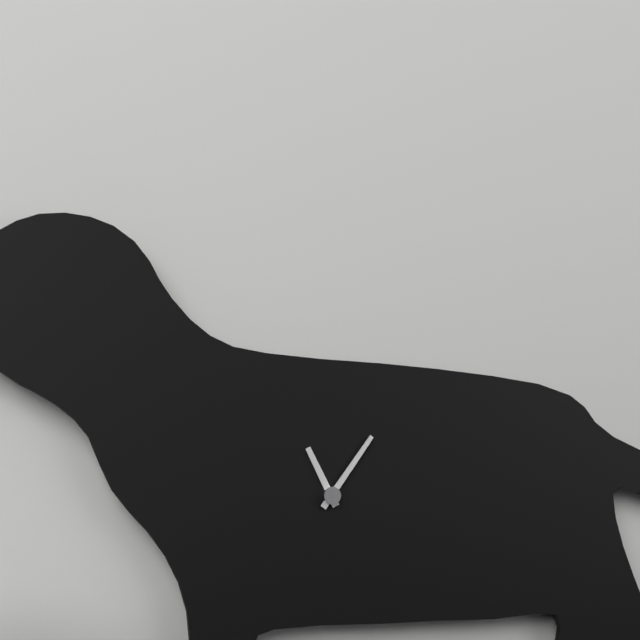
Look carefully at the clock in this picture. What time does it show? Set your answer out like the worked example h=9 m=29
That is h=11 m=6
